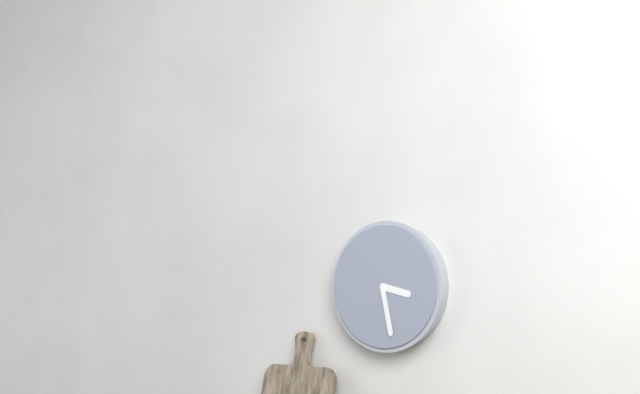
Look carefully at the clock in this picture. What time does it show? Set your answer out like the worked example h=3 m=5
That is h=3 m=28
